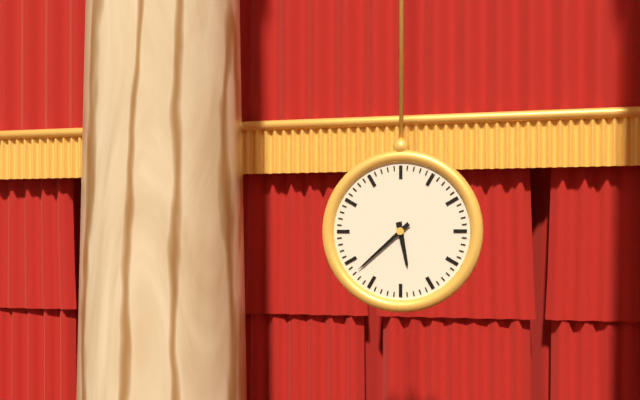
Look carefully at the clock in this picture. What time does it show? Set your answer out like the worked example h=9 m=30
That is h=5 m=38
